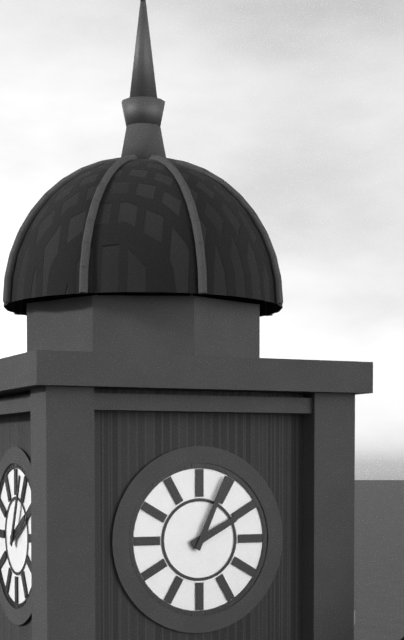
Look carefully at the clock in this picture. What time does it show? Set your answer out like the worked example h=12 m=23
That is h=2 m=4
